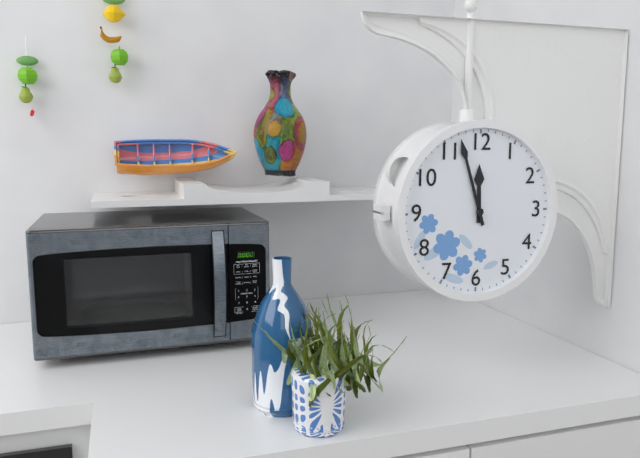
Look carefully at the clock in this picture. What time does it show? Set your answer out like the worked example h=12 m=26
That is h=11 m=57
